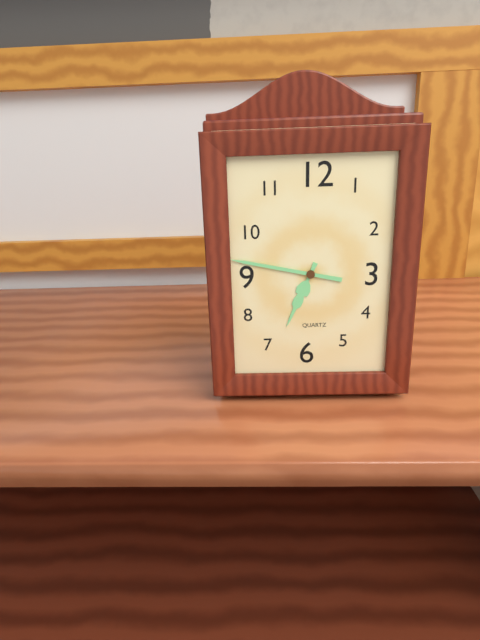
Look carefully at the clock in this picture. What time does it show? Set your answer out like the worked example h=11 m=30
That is h=6 m=47
